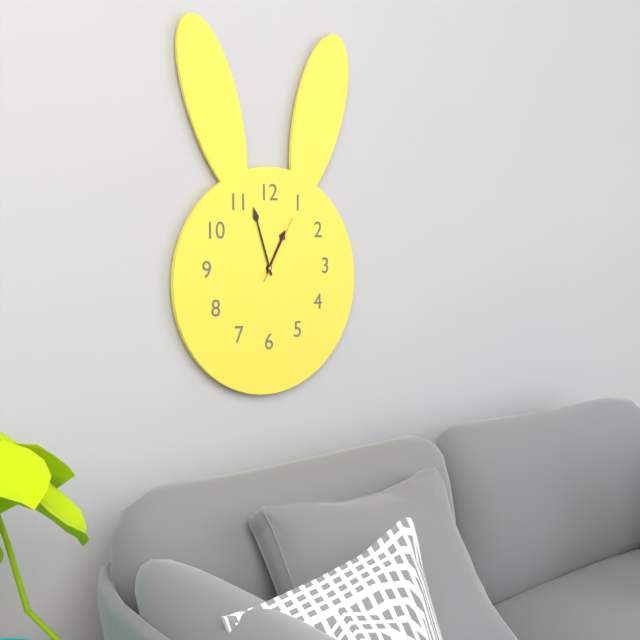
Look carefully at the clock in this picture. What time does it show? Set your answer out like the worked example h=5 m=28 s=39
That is h=12 m=57 s=5
